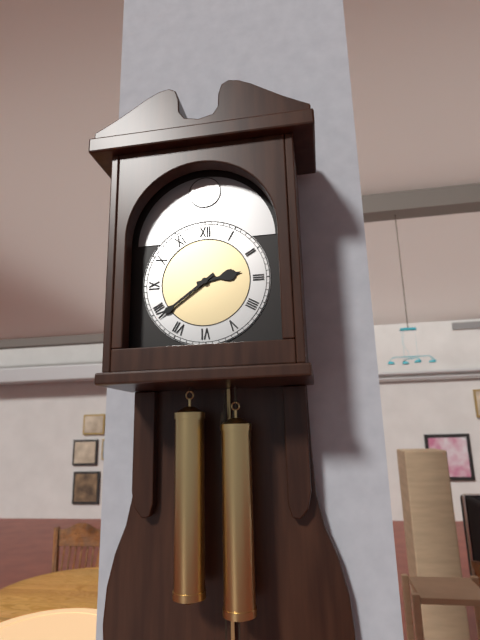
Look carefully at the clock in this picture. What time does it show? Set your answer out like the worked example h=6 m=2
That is h=2 m=39
